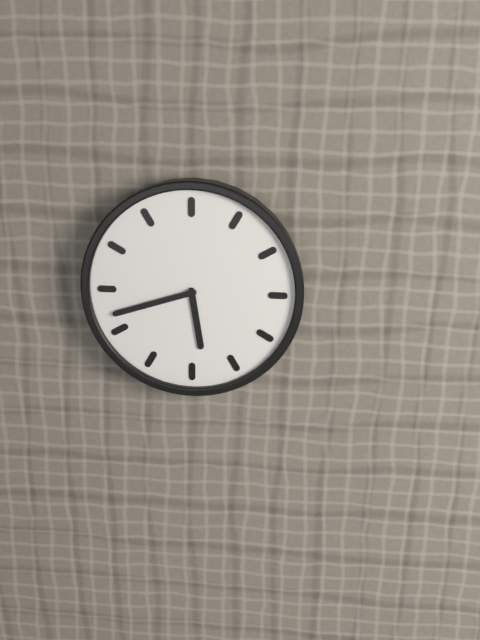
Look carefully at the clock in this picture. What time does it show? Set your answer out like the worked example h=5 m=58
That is h=5 m=42
